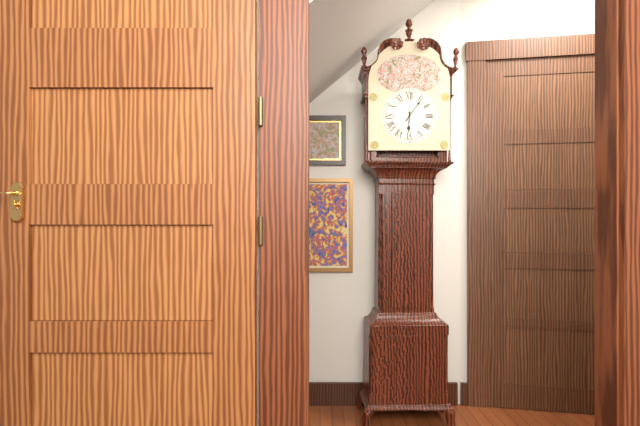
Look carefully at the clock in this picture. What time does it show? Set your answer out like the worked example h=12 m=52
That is h=6 m=6
